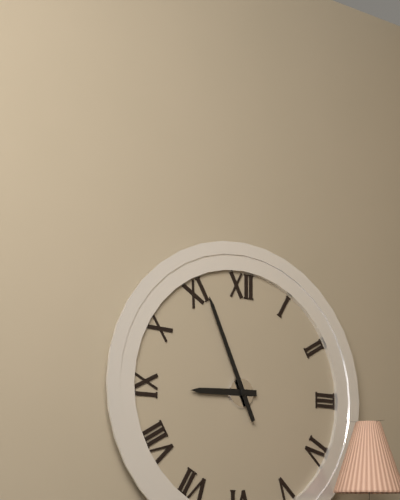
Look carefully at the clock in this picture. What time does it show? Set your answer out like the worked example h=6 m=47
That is h=8 m=56
